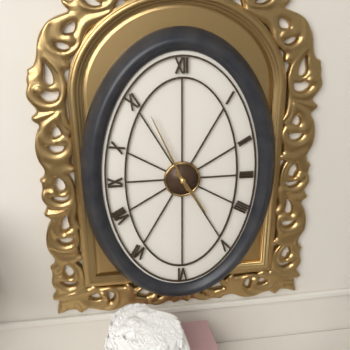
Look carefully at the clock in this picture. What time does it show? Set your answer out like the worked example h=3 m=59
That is h=4 m=56
